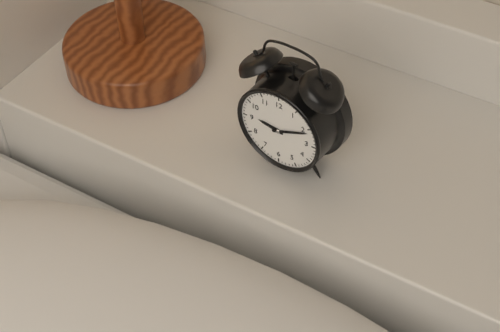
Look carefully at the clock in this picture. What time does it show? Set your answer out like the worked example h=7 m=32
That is h=9 m=11
